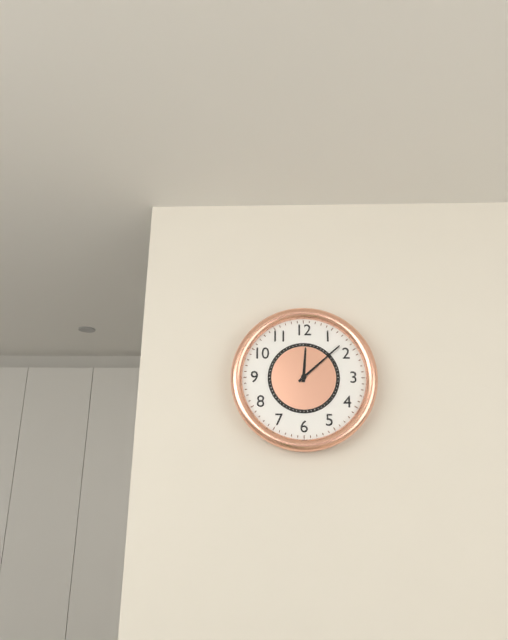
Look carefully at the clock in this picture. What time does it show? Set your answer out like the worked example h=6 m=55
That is h=12 m=8
